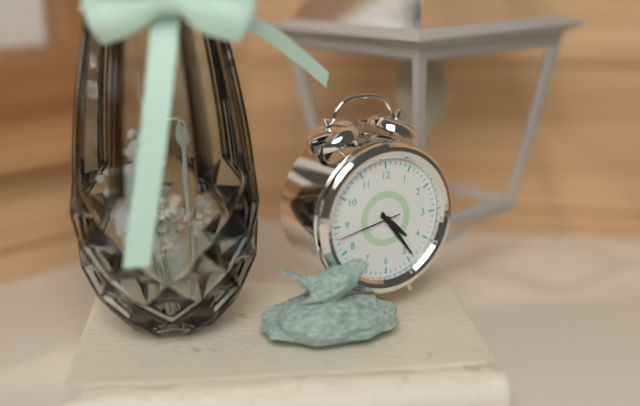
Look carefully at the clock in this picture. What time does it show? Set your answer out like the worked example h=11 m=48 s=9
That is h=4 m=24 s=43
